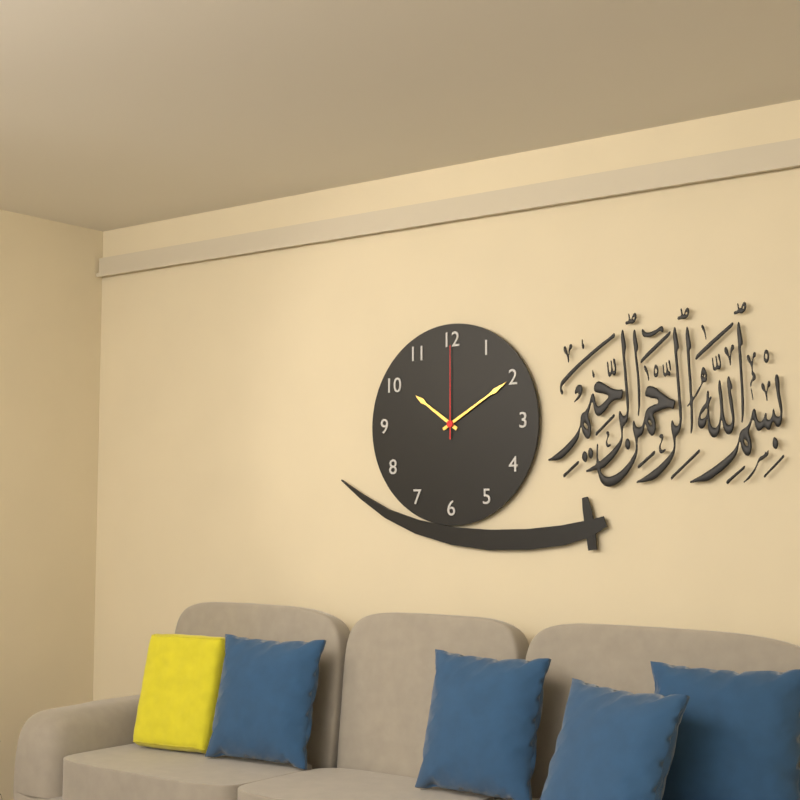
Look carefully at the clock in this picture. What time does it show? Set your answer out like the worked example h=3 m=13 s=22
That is h=10 m=10 s=0
